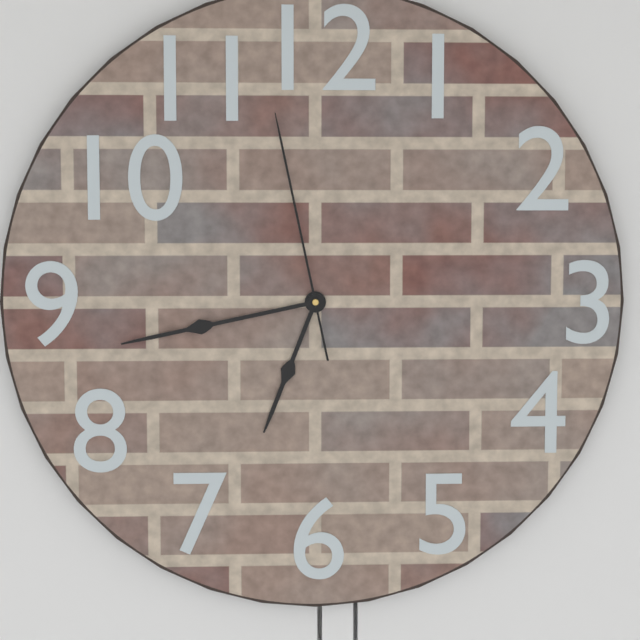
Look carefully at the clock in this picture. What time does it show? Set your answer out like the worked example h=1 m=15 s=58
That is h=6 m=43 s=58
